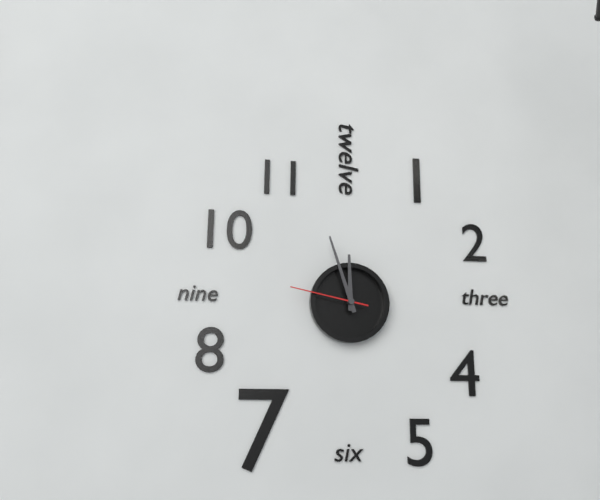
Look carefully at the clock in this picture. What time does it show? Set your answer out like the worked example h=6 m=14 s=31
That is h=11 m=57 s=47
